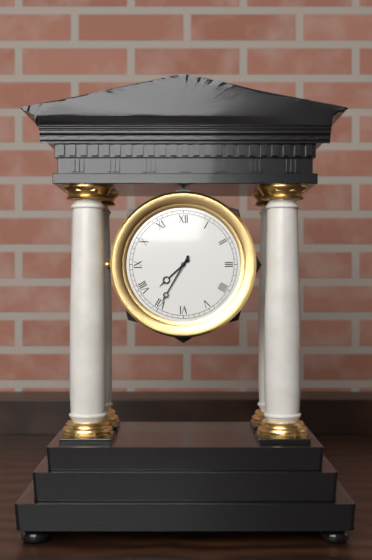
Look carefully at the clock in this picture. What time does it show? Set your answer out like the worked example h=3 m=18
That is h=7 m=35
